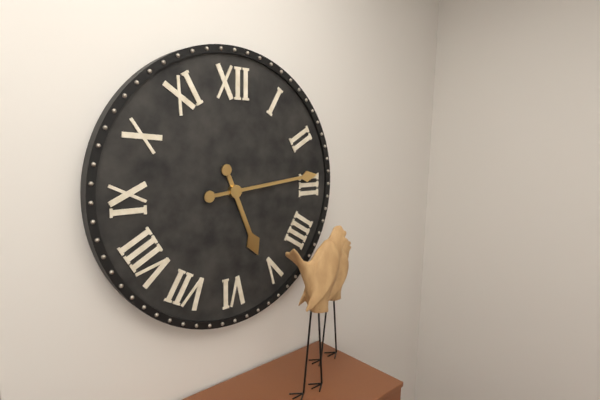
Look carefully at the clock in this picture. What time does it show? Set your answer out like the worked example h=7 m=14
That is h=5 m=14
